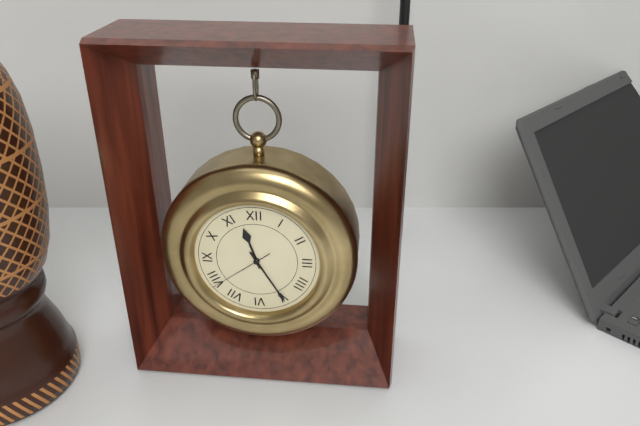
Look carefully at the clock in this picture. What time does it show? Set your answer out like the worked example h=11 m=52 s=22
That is h=11 m=25 s=39
